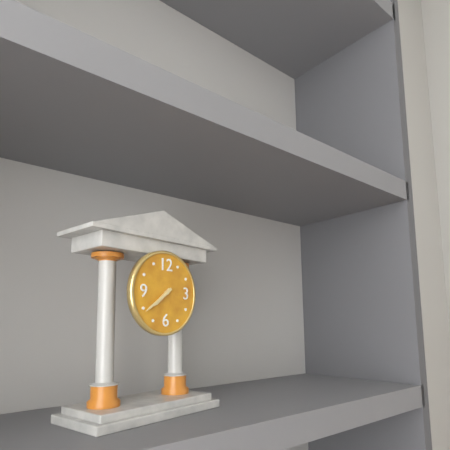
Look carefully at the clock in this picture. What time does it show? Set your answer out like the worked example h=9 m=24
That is h=7 m=39
